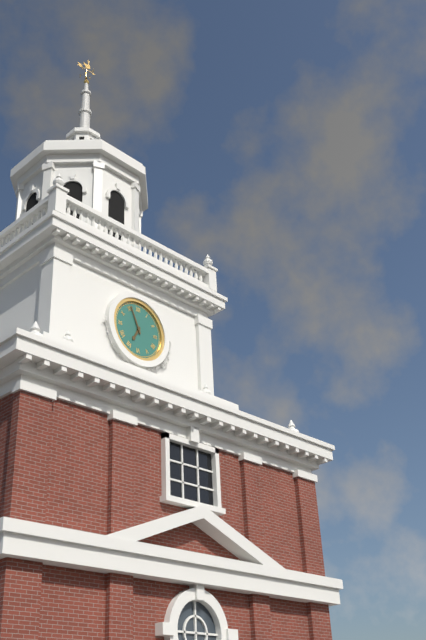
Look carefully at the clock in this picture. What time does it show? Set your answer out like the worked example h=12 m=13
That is h=6 m=56
